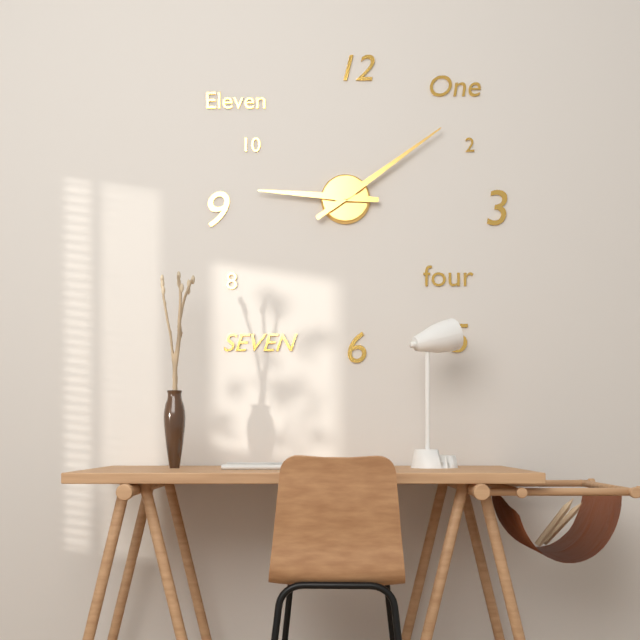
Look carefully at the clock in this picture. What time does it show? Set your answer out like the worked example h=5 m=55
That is h=9 m=9
